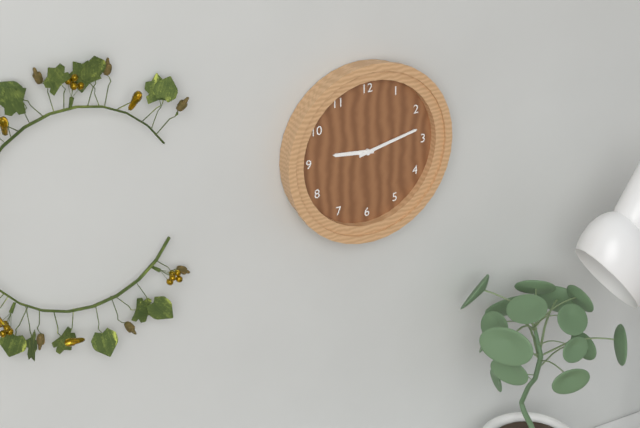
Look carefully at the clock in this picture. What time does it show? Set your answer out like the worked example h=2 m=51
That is h=9 m=13
